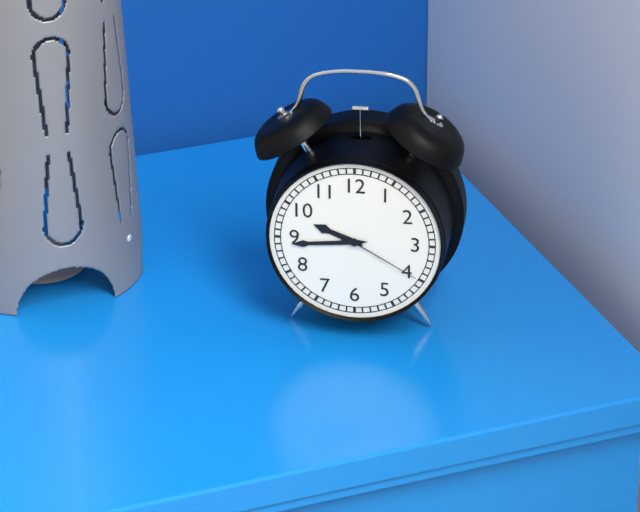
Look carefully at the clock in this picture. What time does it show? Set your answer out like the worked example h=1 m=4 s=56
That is h=9 m=44 s=20
